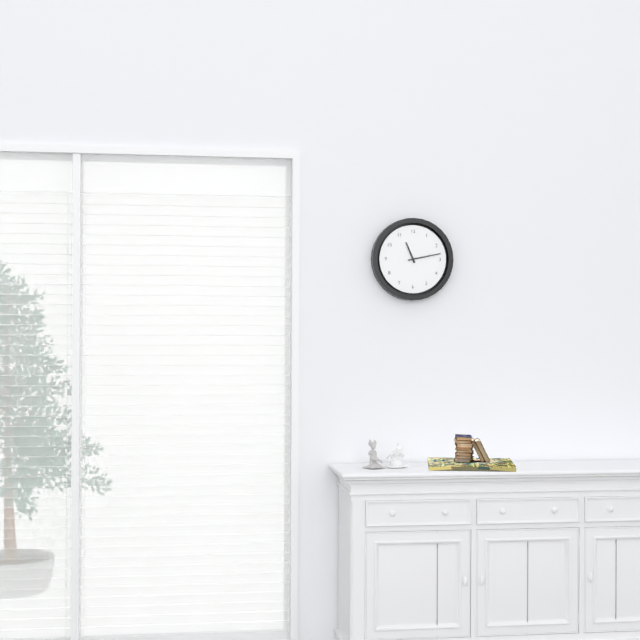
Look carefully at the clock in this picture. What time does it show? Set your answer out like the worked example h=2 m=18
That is h=11 m=13
